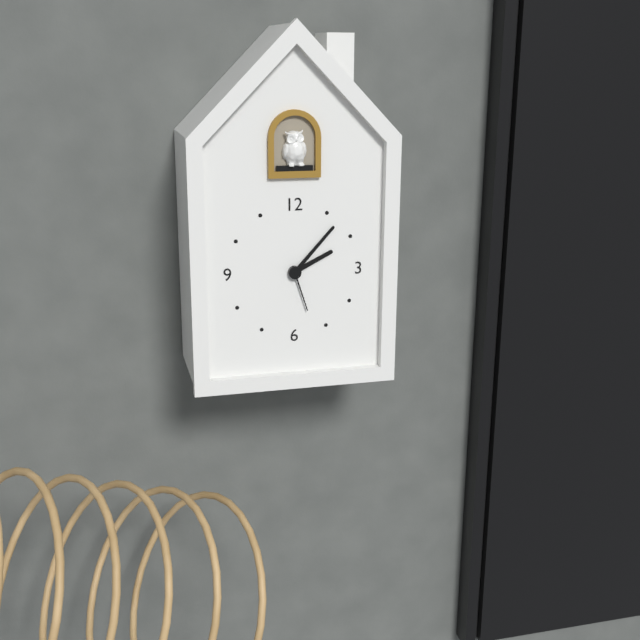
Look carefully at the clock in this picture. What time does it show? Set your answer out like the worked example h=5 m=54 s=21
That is h=2 m=7 s=27
